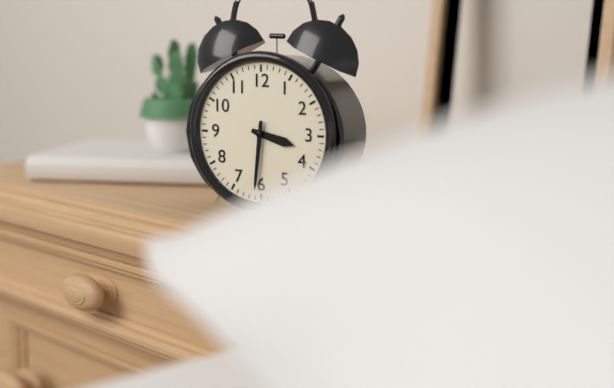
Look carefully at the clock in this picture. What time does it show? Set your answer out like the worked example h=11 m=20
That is h=3 m=31
